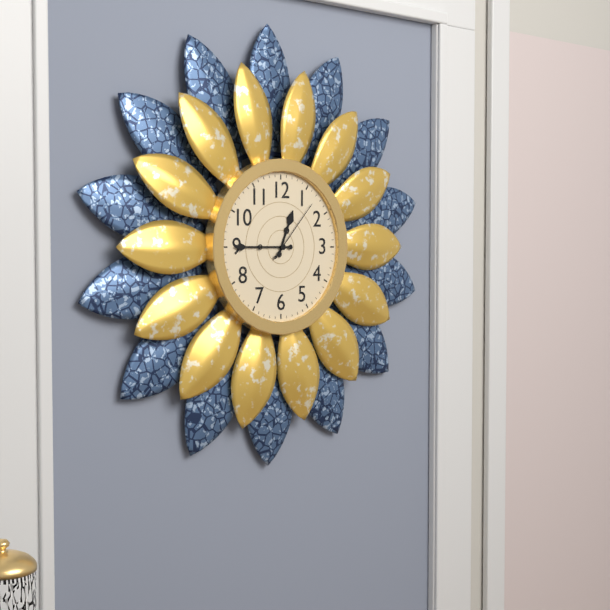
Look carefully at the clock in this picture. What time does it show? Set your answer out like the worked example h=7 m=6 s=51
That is h=12 m=45 s=7
